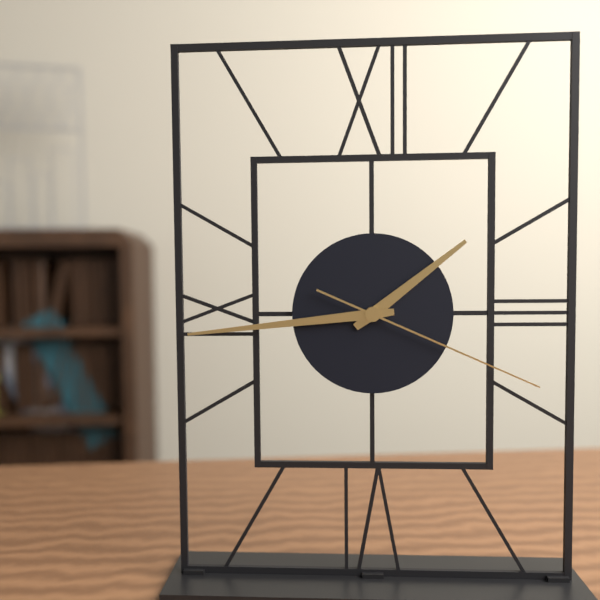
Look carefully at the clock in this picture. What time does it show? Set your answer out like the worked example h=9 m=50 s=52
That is h=1 m=44 s=19
